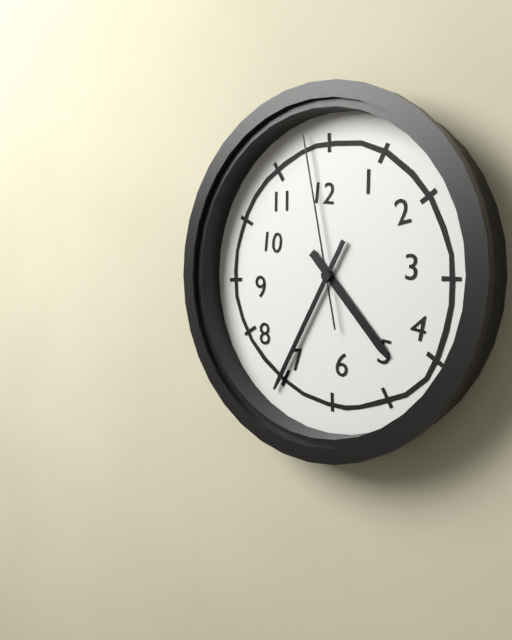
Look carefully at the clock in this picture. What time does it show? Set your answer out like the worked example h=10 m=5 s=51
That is h=4 m=35 s=58
